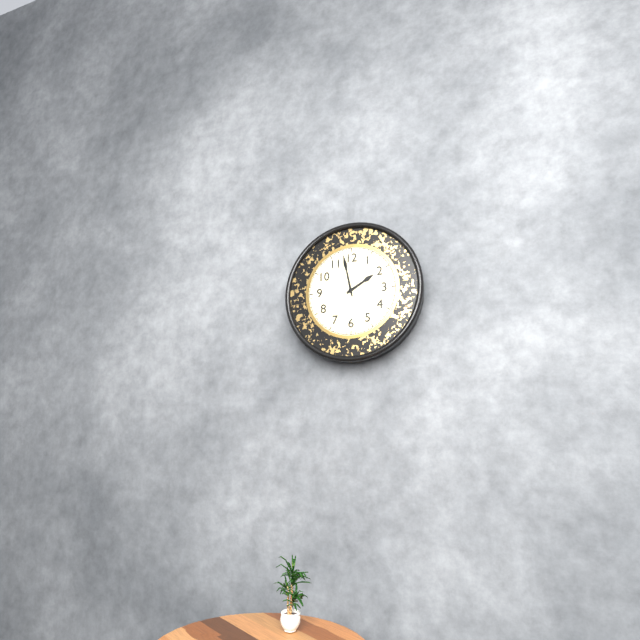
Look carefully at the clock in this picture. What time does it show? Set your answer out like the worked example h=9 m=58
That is h=1 m=58
